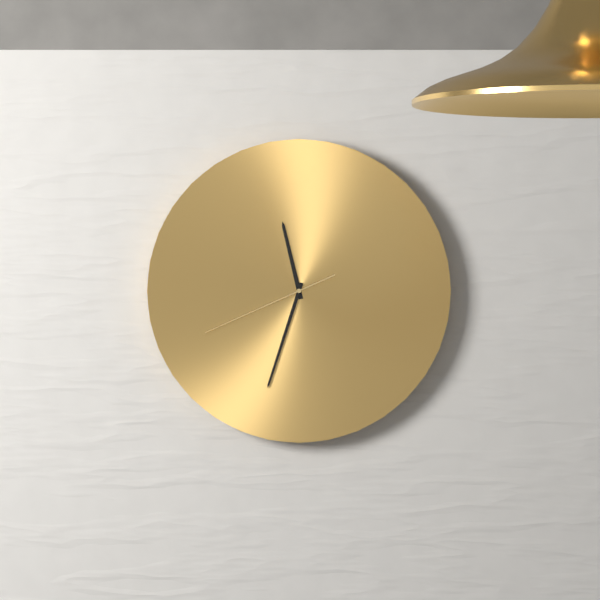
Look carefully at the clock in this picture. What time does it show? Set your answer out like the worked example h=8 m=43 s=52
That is h=11 m=33 s=41
